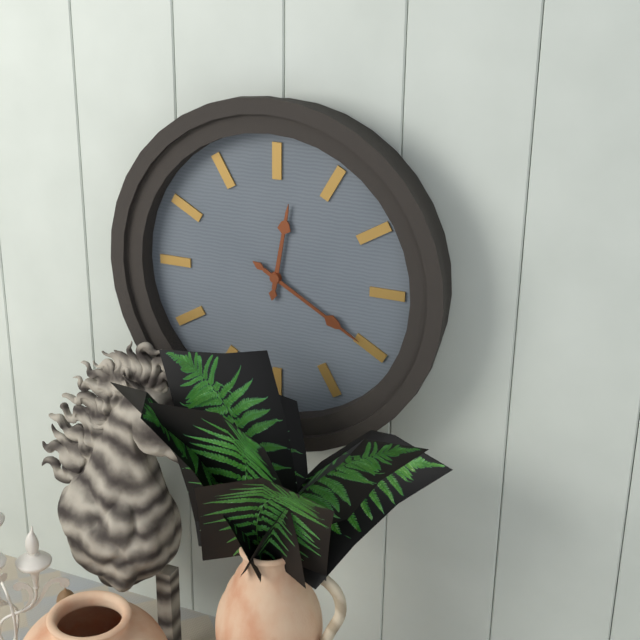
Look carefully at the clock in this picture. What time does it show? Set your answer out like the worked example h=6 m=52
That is h=12 m=20
